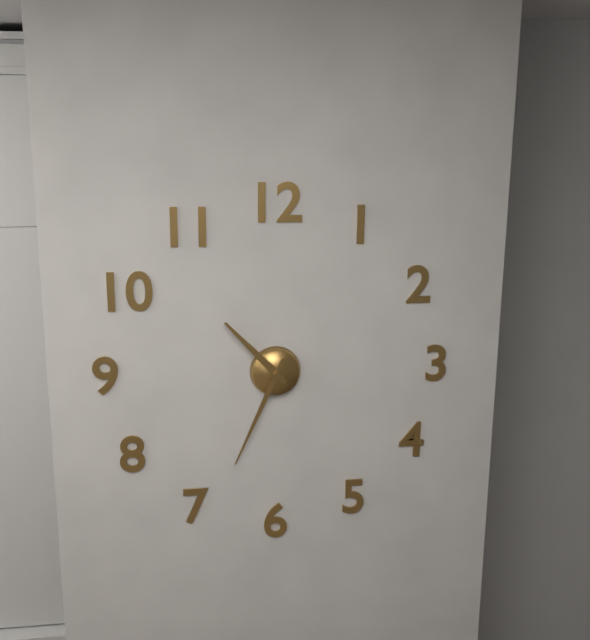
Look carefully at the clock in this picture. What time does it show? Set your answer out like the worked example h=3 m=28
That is h=10 m=34
